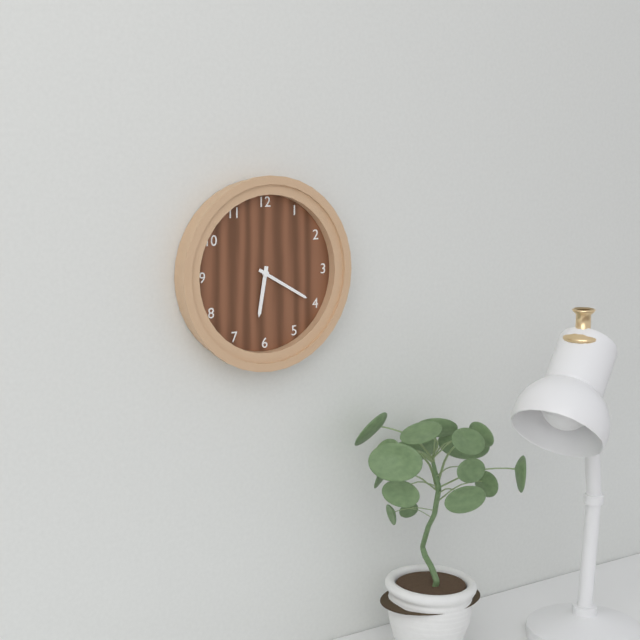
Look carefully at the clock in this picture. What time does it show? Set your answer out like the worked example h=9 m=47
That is h=6 m=20
